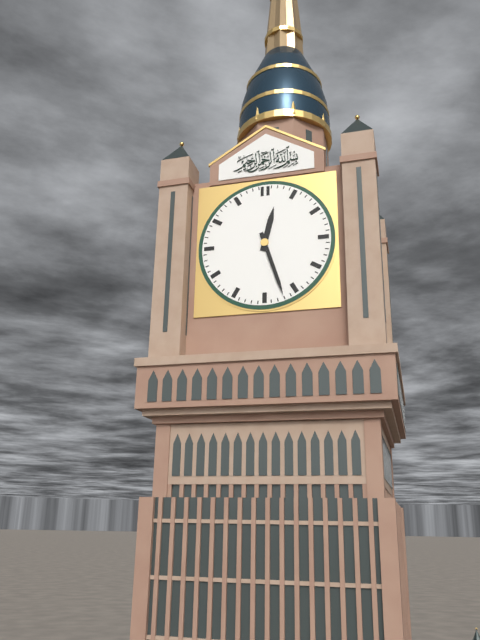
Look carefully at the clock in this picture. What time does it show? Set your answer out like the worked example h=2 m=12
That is h=12 m=27
